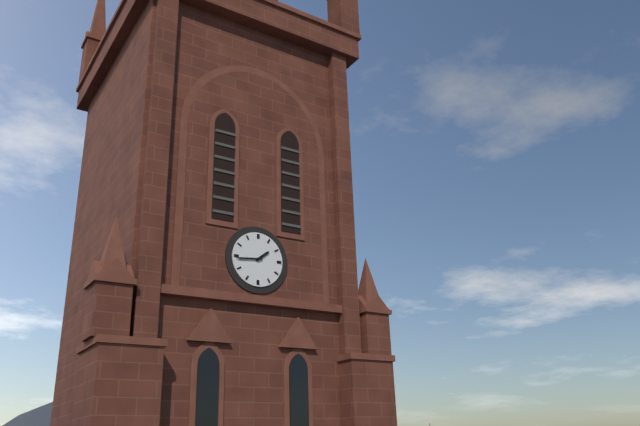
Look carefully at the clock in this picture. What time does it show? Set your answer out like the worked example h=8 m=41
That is h=1 m=44
